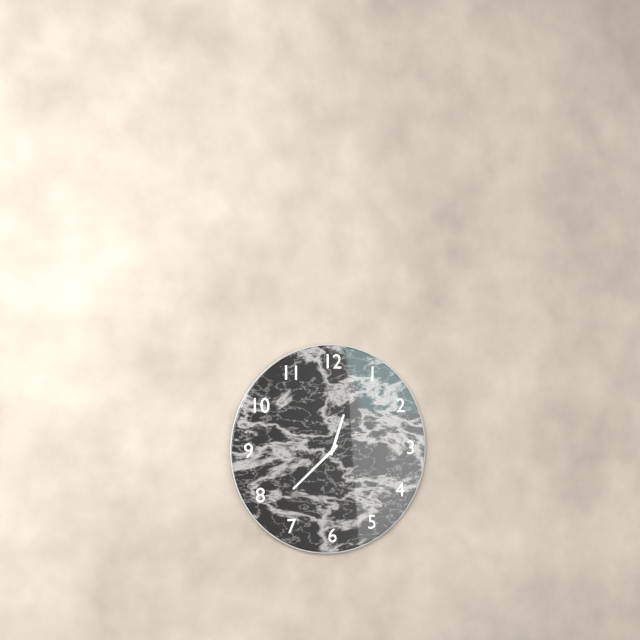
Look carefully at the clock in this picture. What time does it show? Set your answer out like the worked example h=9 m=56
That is h=12 m=38
